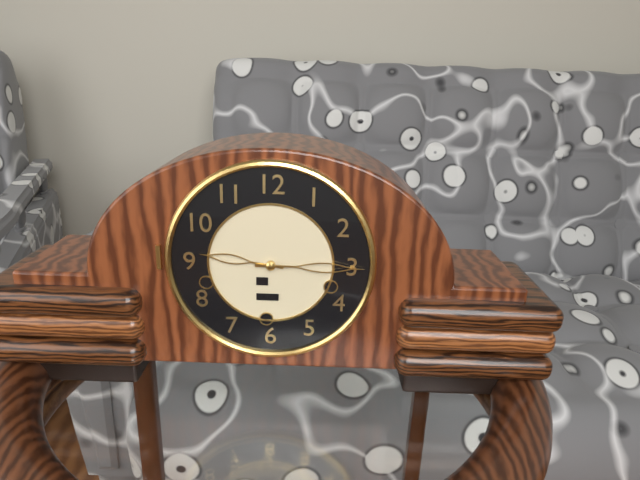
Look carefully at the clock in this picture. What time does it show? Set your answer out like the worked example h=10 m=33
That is h=9 m=15
